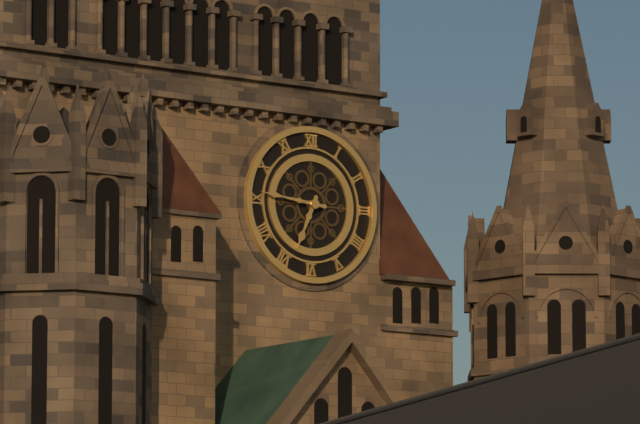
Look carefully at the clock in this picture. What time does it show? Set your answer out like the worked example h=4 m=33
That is h=6 m=46
